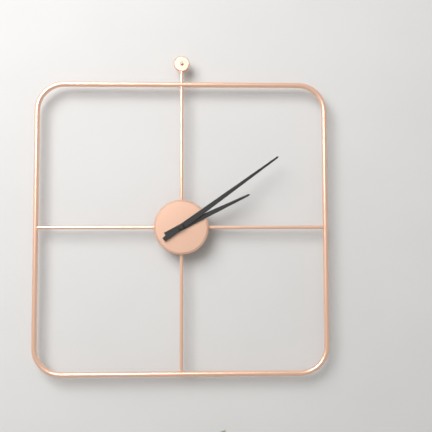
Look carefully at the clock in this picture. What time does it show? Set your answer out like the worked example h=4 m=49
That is h=2 m=9
